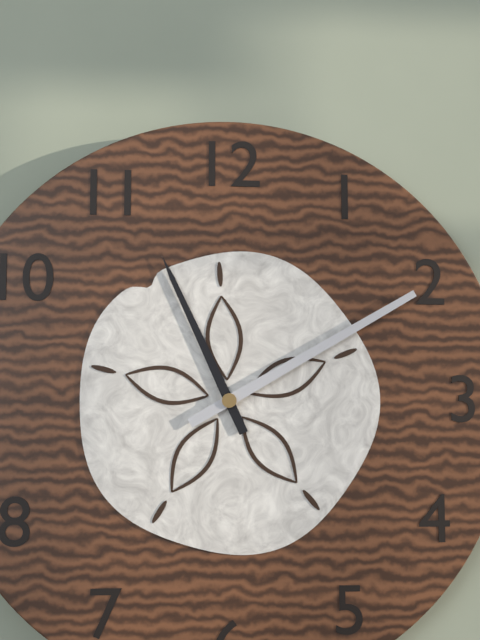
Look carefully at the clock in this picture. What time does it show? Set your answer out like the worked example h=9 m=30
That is h=11 m=10
